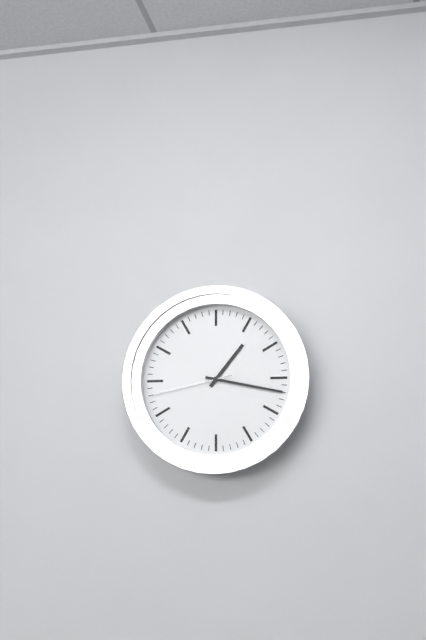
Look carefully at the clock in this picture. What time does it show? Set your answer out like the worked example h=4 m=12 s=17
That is h=1 m=17 s=43
